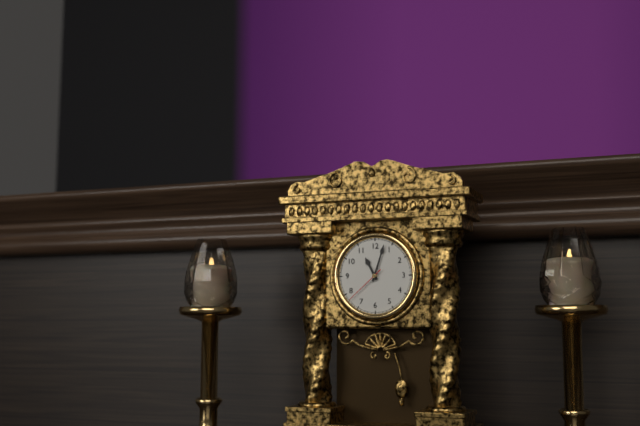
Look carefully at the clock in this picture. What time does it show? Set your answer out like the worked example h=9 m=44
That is h=11 m=3
